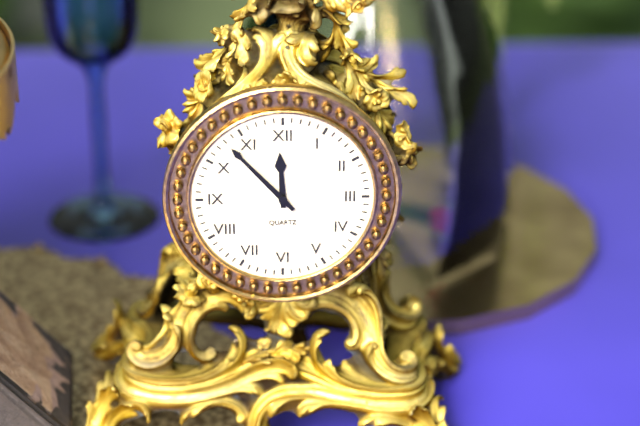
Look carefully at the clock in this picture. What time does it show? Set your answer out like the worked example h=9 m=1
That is h=11 m=53
